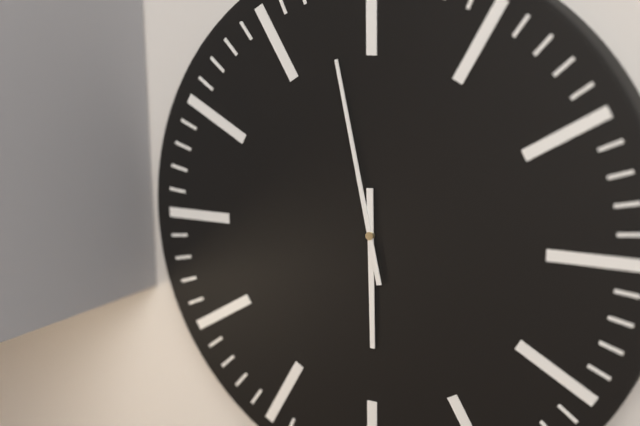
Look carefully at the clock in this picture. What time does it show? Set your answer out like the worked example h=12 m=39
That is h=5 m=58
